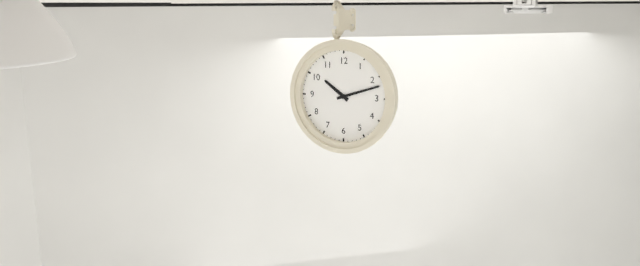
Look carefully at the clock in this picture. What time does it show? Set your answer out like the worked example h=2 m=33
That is h=10 m=12
